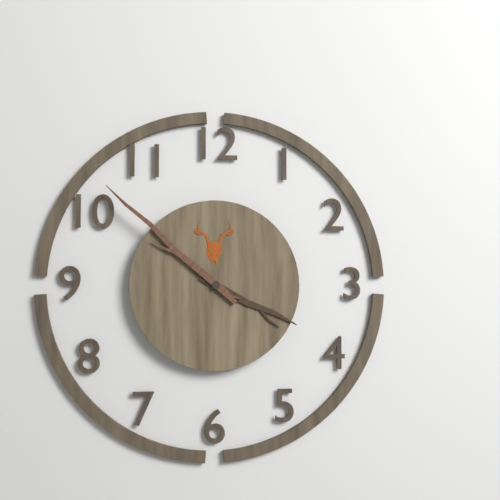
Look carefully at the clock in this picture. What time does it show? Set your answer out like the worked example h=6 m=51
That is h=3 m=52
